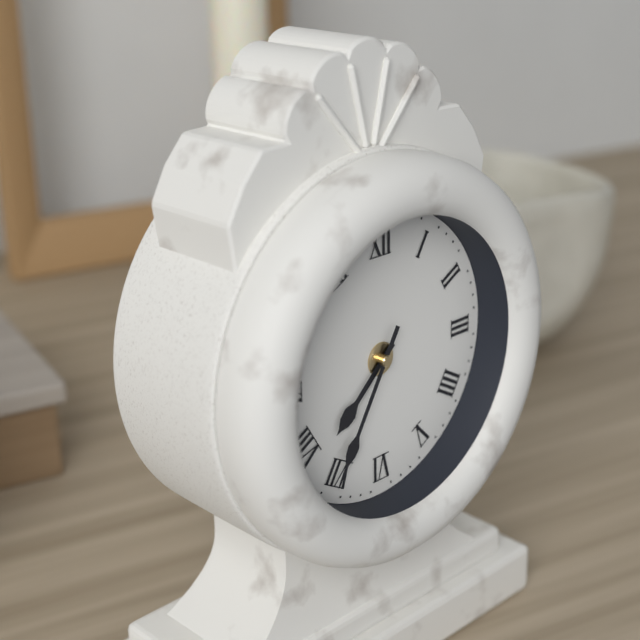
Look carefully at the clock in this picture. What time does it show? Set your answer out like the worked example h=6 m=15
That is h=7 m=35
